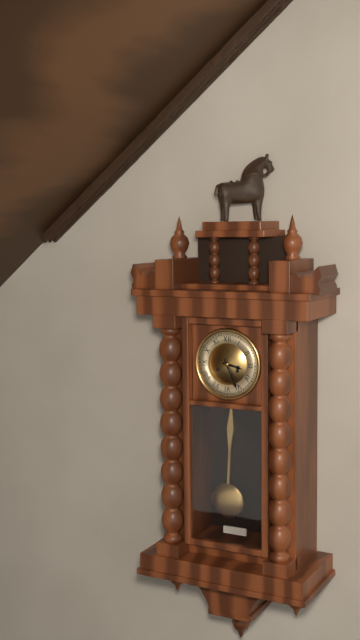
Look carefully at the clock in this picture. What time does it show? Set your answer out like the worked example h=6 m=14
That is h=3 m=26
